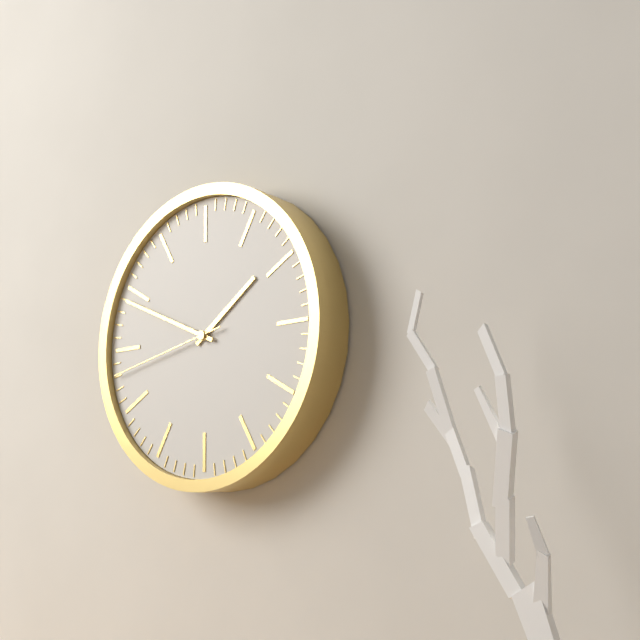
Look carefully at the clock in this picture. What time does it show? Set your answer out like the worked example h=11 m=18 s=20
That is h=1 m=49 s=43
